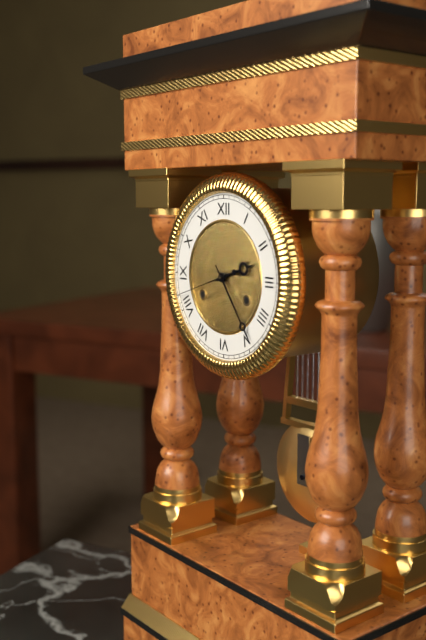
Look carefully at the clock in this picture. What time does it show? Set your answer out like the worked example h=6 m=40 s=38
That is h=2 m=24 s=42
